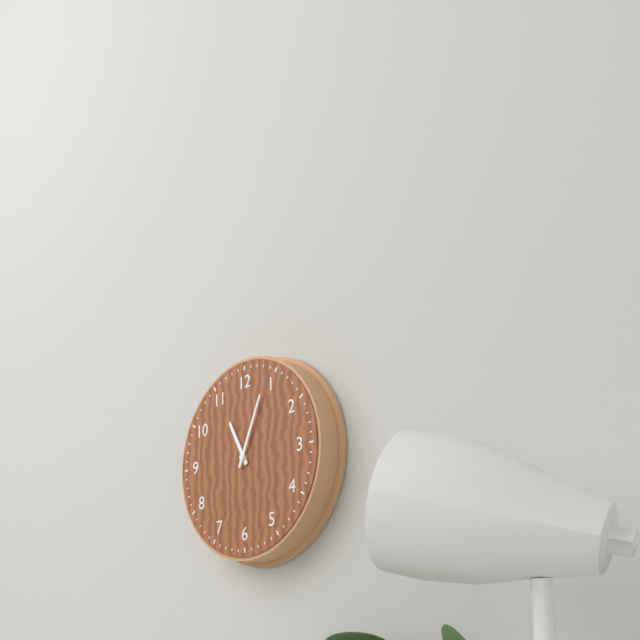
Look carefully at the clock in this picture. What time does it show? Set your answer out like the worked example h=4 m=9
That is h=11 m=4
